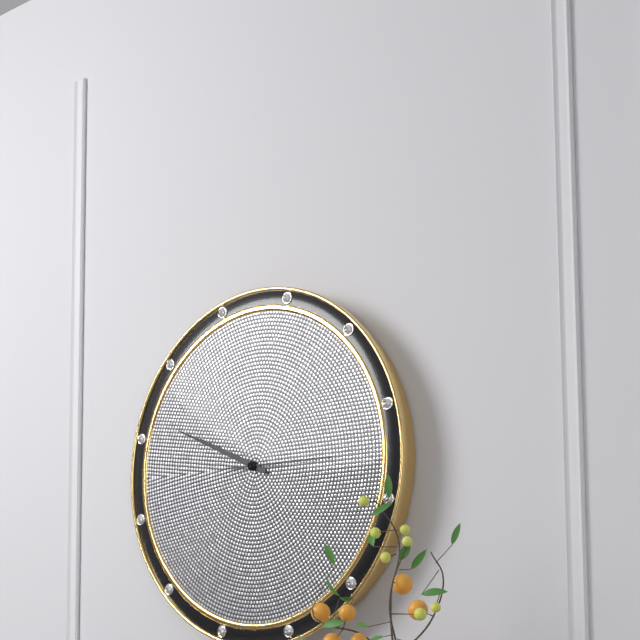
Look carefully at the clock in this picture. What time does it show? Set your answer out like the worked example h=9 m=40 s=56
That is h=9 m=49 s=15
